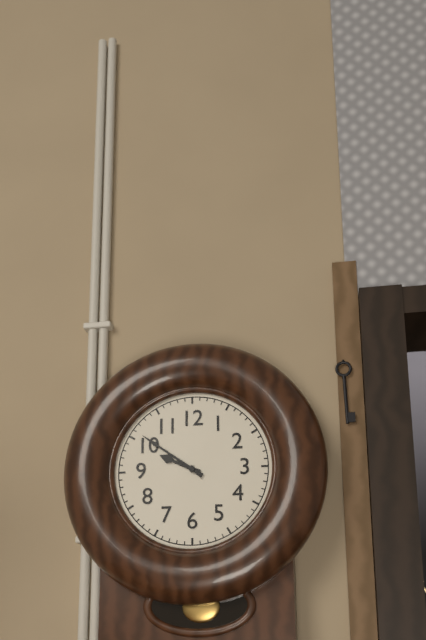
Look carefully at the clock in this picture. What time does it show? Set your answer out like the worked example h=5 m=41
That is h=9 m=51
